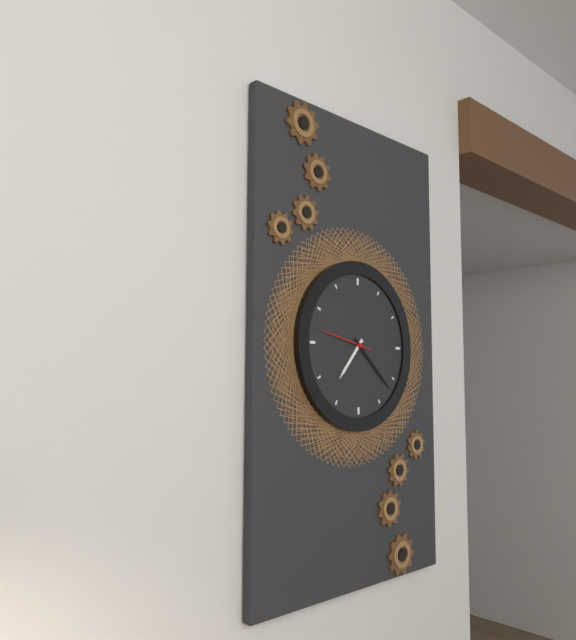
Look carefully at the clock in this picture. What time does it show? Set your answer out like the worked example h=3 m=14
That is h=7 m=22
